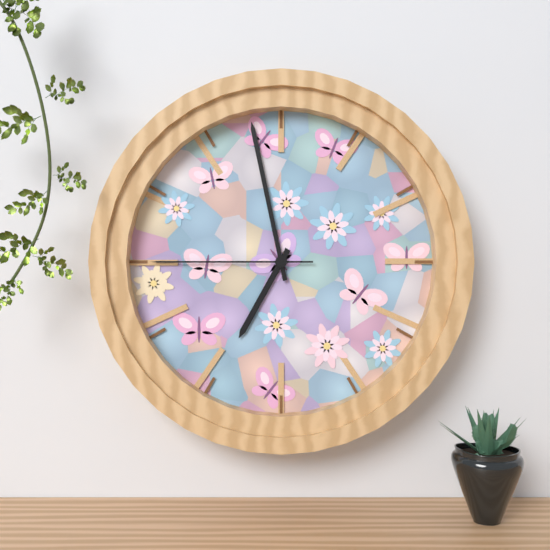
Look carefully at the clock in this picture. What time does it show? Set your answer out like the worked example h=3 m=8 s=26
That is h=6 m=58 s=45
